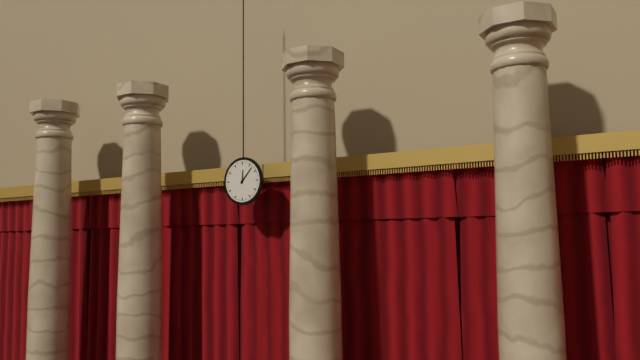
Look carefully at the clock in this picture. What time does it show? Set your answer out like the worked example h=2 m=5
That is h=12 m=7
